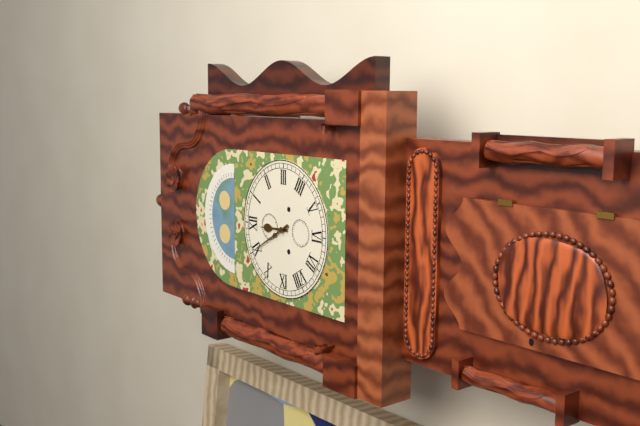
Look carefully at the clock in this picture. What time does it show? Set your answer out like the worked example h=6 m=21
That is h=11 m=55
